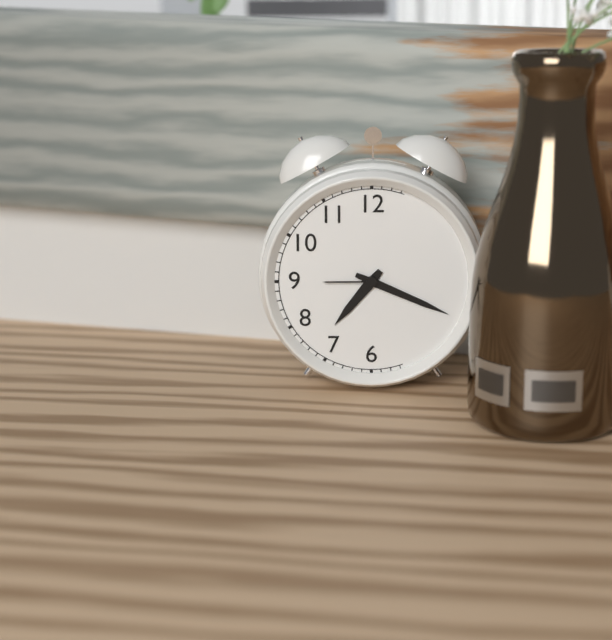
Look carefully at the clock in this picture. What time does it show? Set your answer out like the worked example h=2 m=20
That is h=7 m=19
